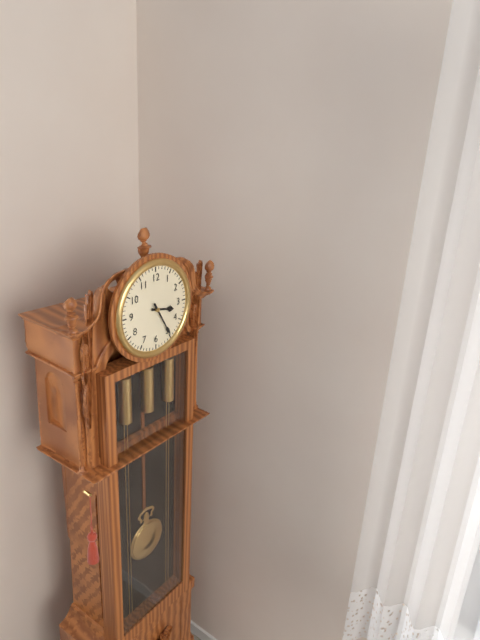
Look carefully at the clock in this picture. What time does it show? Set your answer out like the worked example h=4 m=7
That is h=3 m=25
